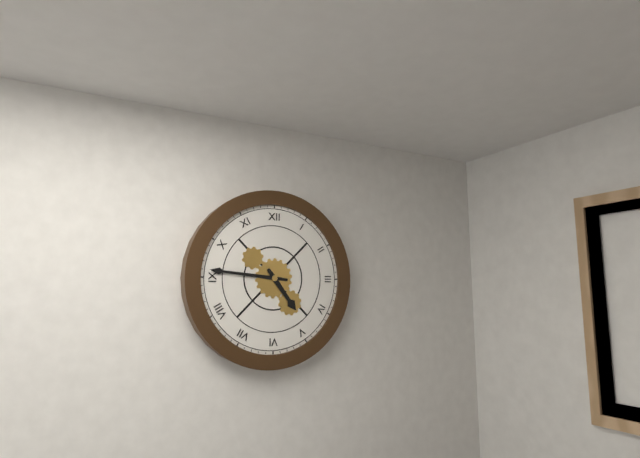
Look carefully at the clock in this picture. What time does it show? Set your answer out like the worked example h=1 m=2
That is h=4 m=46
